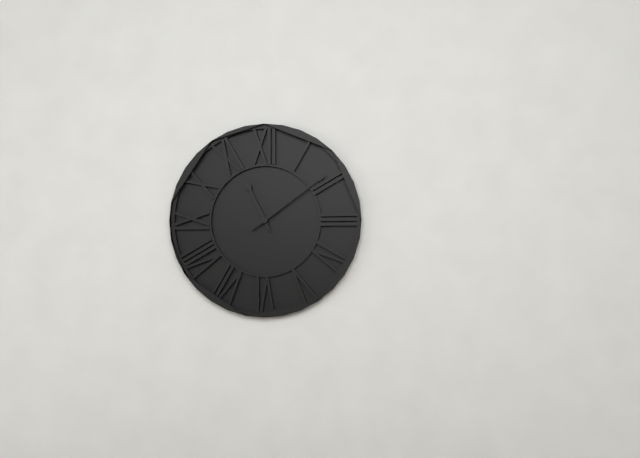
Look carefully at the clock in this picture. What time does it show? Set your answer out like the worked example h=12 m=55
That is h=11 m=9
